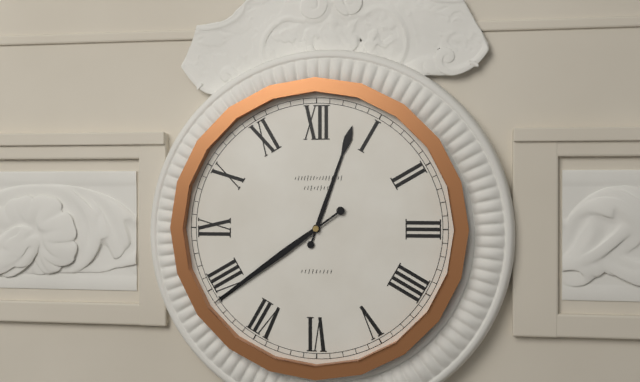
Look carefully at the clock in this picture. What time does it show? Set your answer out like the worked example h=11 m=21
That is h=12 m=39
